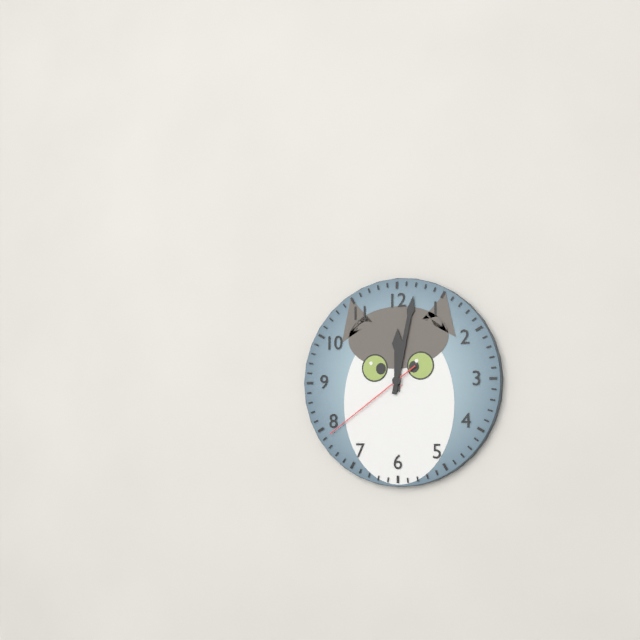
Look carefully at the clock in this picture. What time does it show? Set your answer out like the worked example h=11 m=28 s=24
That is h=12 m=2 s=39
